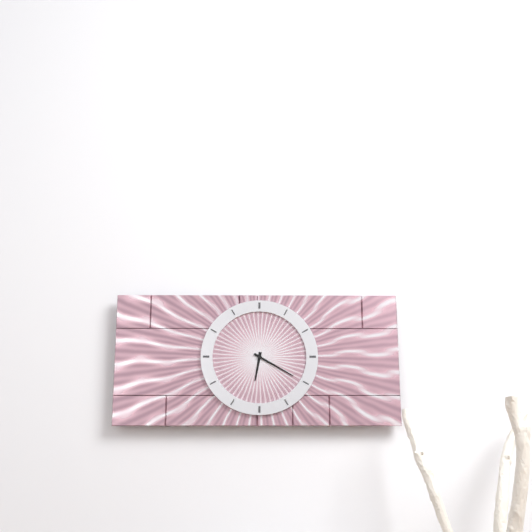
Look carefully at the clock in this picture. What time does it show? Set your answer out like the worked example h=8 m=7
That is h=6 m=20
